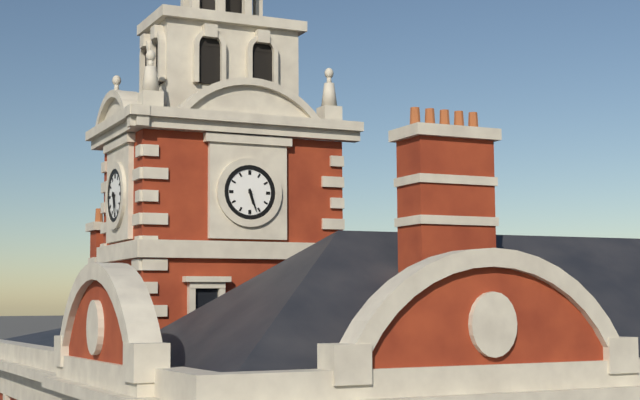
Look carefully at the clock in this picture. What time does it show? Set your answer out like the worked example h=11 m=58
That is h=5 m=27
